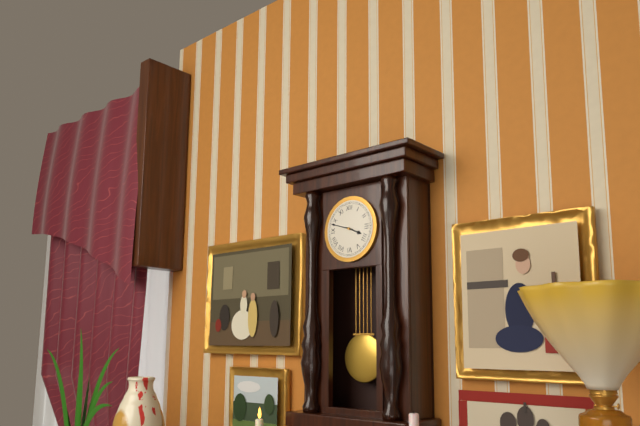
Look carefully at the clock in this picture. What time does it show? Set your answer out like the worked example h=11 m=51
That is h=3 m=48
